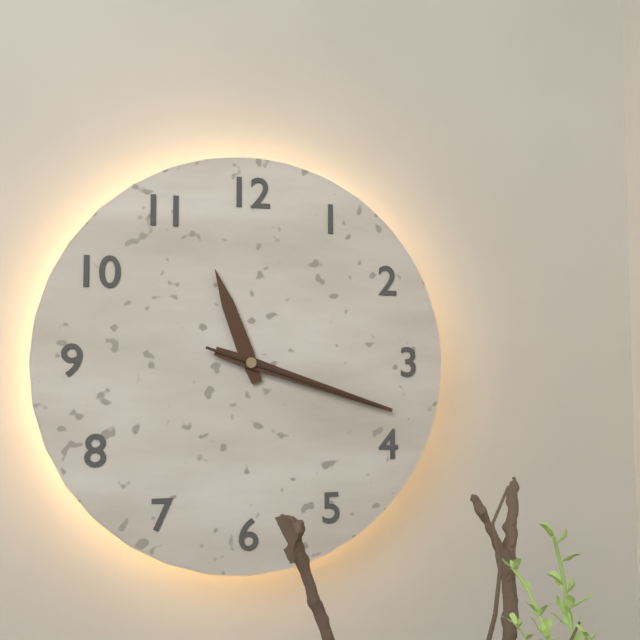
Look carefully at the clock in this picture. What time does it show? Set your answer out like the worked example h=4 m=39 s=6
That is h=11 m=18 s=18
